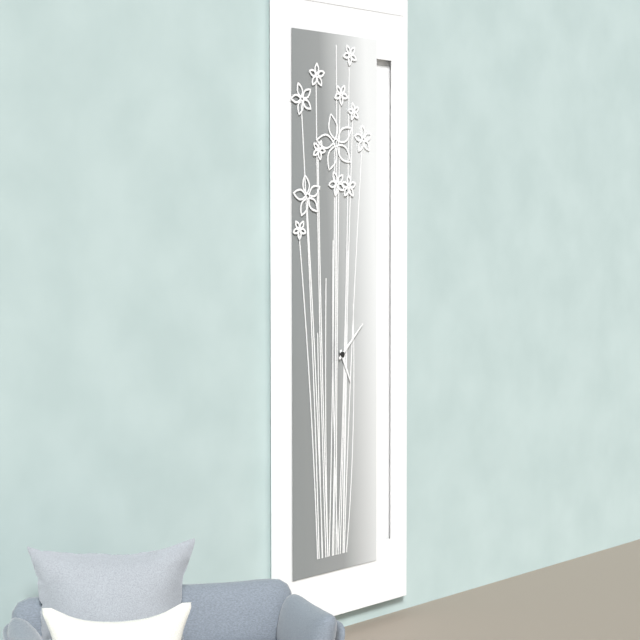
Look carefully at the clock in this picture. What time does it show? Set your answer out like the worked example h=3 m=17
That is h=5 m=8
